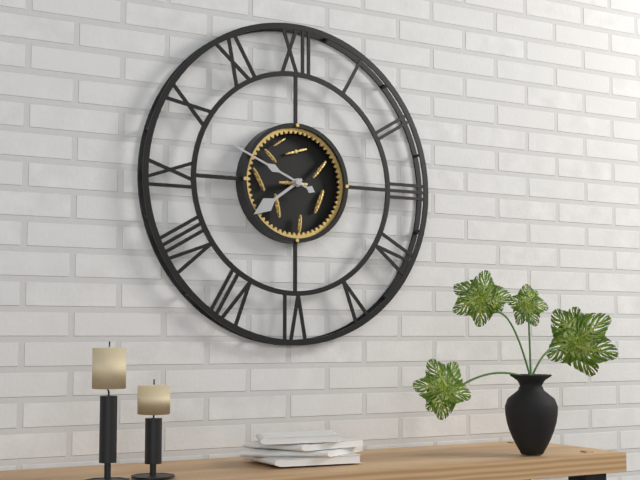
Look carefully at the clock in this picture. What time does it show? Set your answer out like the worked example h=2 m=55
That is h=7 m=49
